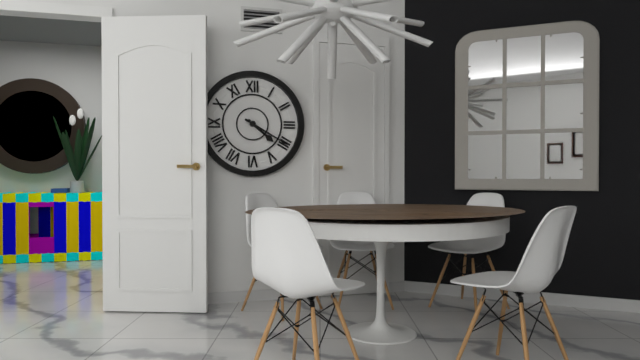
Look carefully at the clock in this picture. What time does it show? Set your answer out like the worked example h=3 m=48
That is h=4 m=20
